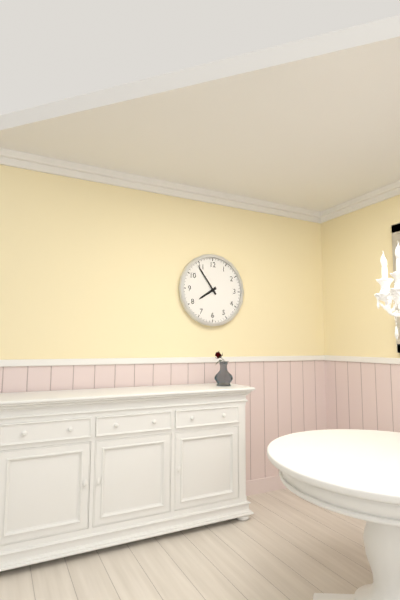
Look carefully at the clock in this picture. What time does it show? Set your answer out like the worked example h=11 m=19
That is h=7 m=54
